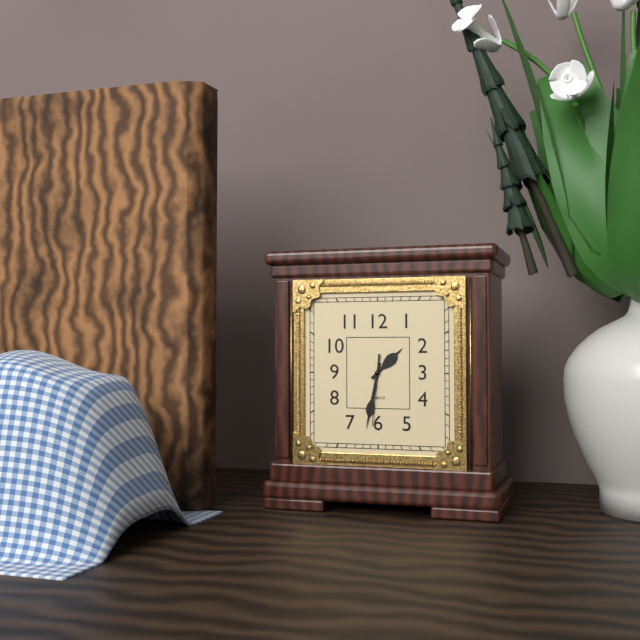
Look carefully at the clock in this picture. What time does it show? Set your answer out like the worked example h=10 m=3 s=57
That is h=1 m=32 s=31
